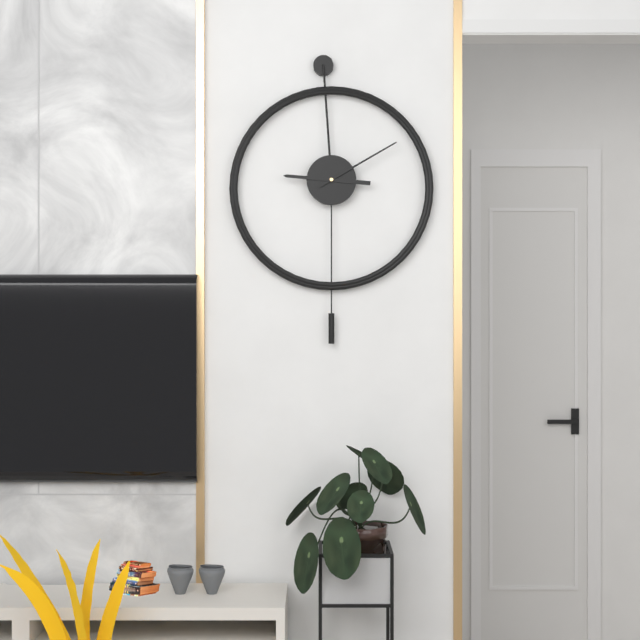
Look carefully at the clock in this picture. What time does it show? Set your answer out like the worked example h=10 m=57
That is h=9 m=10
